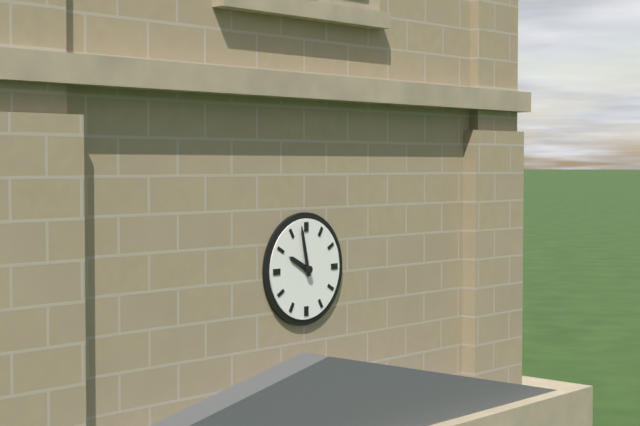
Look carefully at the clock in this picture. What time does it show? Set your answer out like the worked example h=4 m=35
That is h=9 m=58
